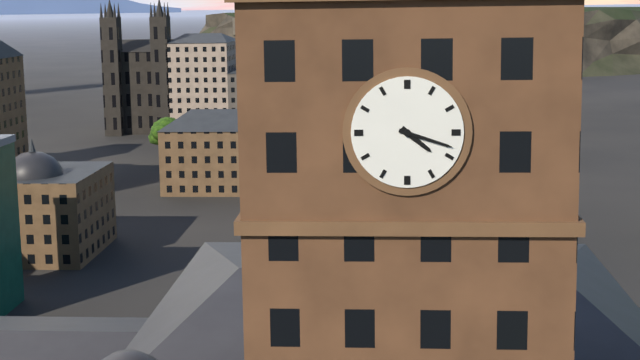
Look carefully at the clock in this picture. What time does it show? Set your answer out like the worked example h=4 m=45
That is h=4 m=18
